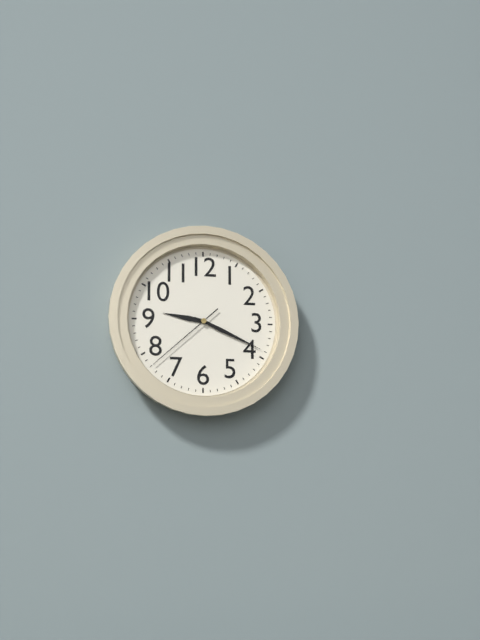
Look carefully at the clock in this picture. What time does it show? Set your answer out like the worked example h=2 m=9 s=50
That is h=9 m=19 s=38
